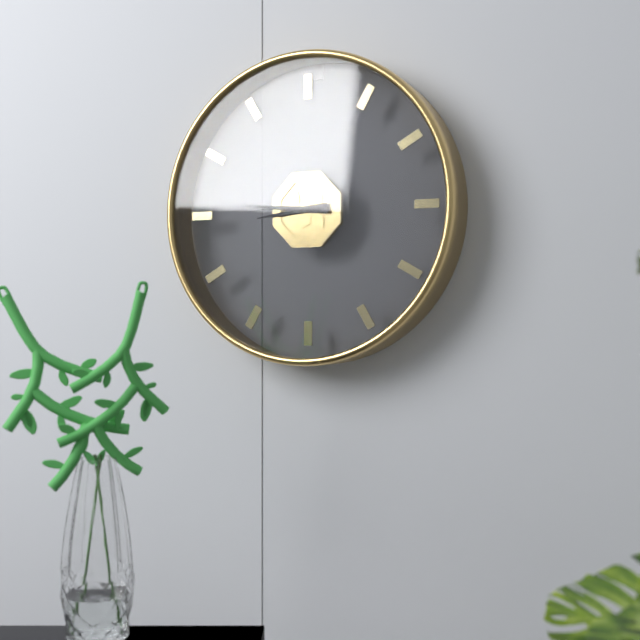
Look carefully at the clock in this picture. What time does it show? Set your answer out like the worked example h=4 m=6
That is h=8 m=46
